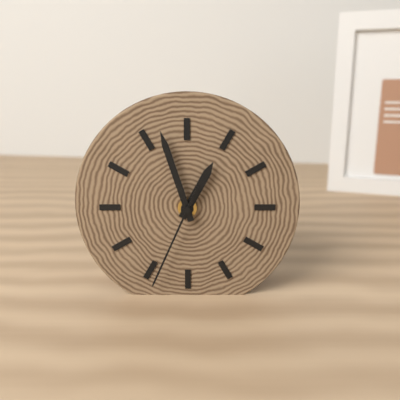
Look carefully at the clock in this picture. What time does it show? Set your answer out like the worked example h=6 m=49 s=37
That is h=12 m=57 s=34
